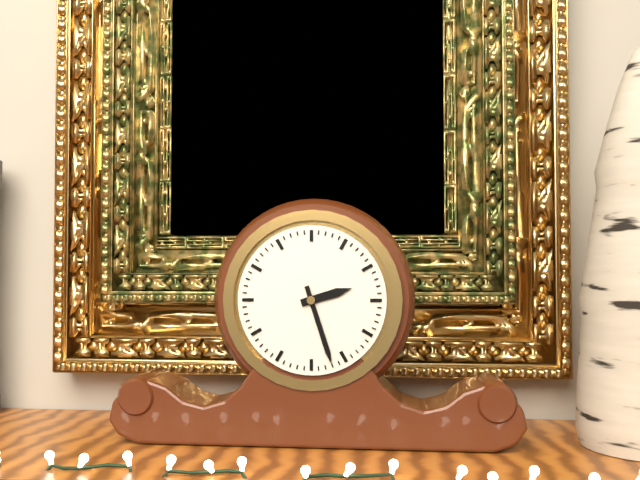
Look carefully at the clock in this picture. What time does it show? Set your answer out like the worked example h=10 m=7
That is h=2 m=27
